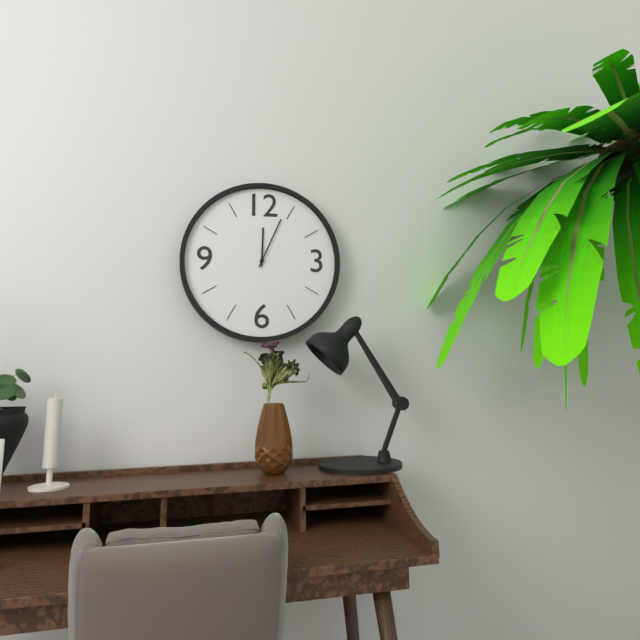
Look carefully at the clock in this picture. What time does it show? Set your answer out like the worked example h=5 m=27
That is h=12 m=4
